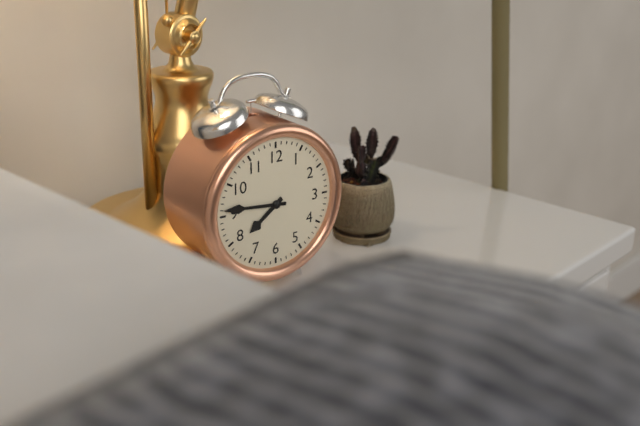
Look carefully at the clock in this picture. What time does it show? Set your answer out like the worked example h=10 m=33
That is h=7 m=46
